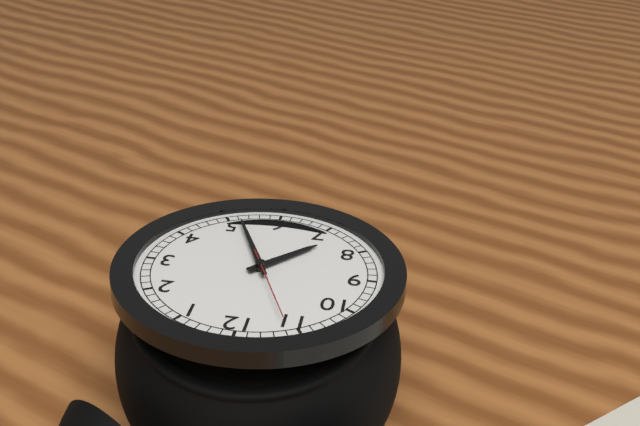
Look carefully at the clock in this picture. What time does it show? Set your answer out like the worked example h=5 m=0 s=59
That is h=7 m=26 s=56
